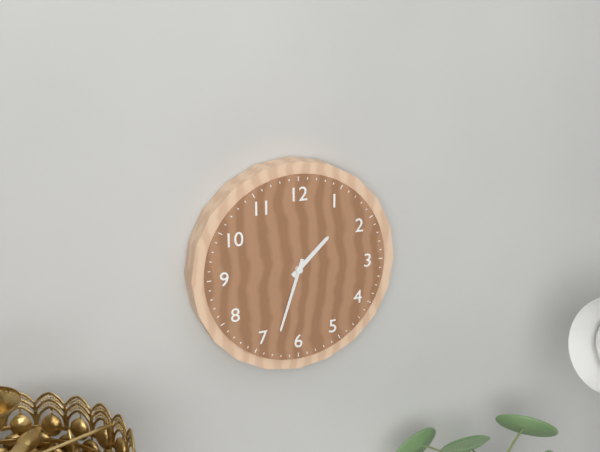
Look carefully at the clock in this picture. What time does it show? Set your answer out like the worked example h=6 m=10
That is h=1 m=33
